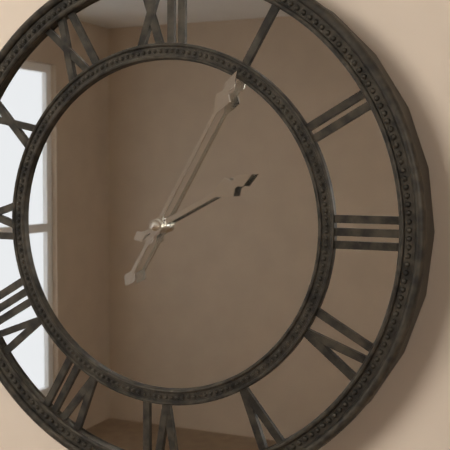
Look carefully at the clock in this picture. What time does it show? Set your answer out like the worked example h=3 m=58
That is h=2 m=5
